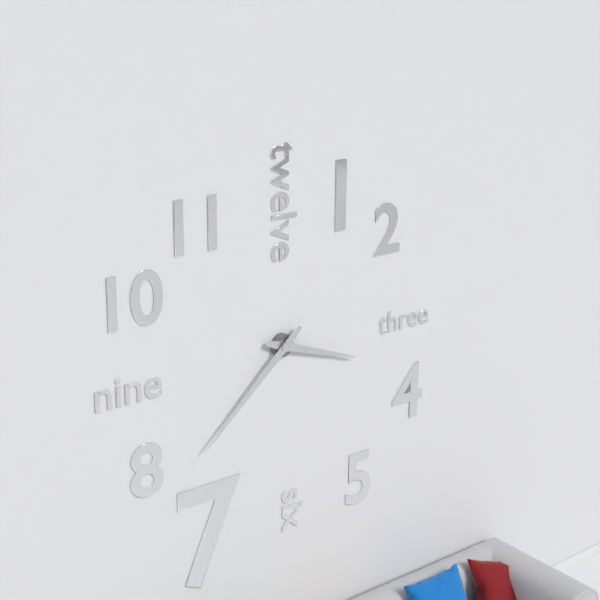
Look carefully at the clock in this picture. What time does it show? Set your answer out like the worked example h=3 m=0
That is h=3 m=38
